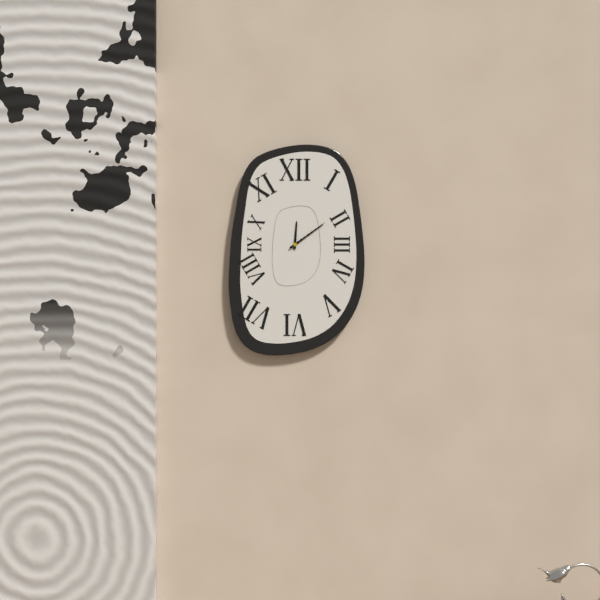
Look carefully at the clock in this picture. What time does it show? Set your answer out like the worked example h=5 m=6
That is h=12 m=9
